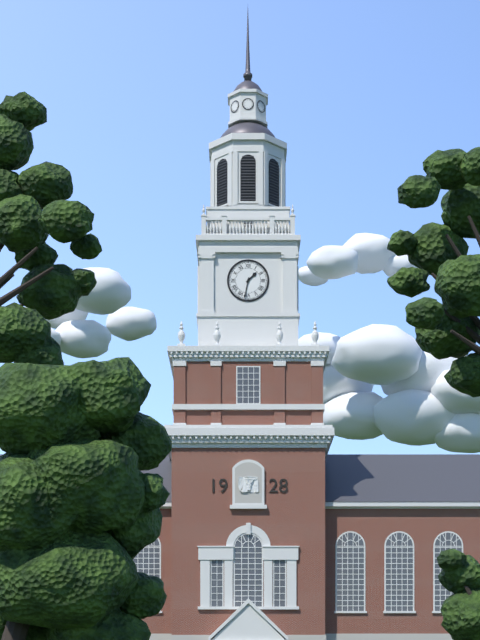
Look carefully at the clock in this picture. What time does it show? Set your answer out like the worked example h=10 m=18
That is h=1 m=32
